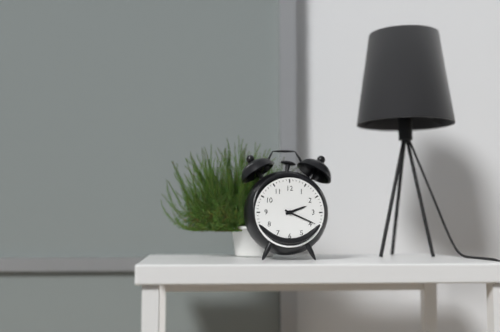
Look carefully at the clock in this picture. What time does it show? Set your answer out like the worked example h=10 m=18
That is h=2 m=19
